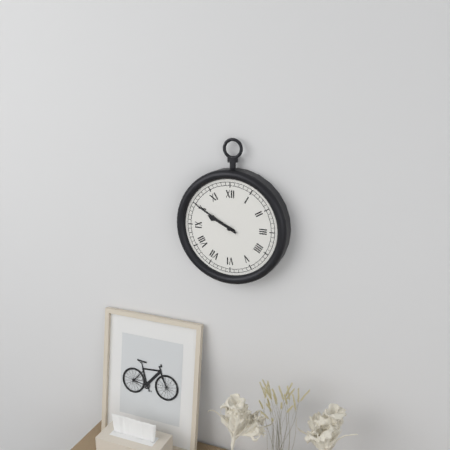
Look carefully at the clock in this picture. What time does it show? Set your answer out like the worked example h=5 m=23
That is h=9 m=50
